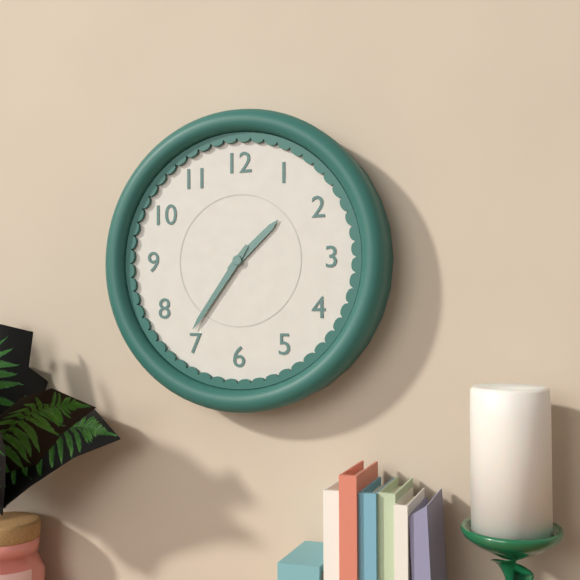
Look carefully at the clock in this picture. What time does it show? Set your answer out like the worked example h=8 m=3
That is h=1 m=36
